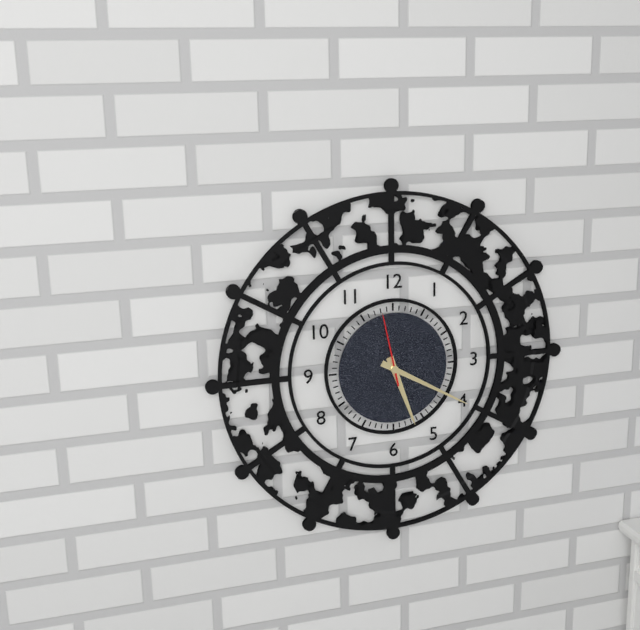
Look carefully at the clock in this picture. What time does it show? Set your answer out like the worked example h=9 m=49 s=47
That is h=5 m=20 s=58
